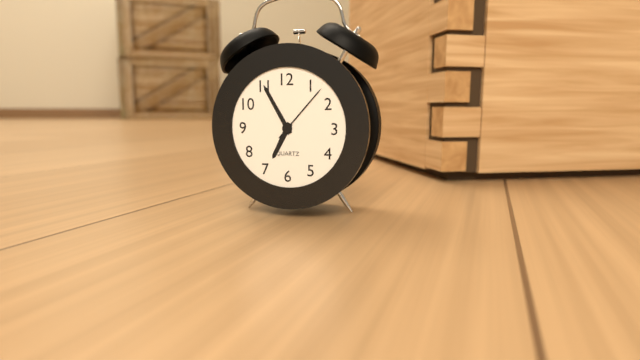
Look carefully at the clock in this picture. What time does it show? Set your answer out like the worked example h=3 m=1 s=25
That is h=6 m=55 s=7
